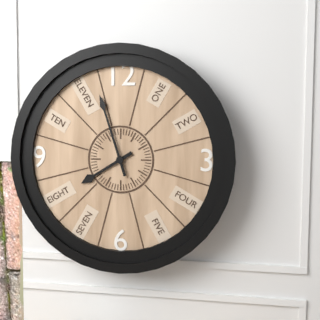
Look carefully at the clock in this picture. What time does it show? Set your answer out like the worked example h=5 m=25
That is h=7 m=57
